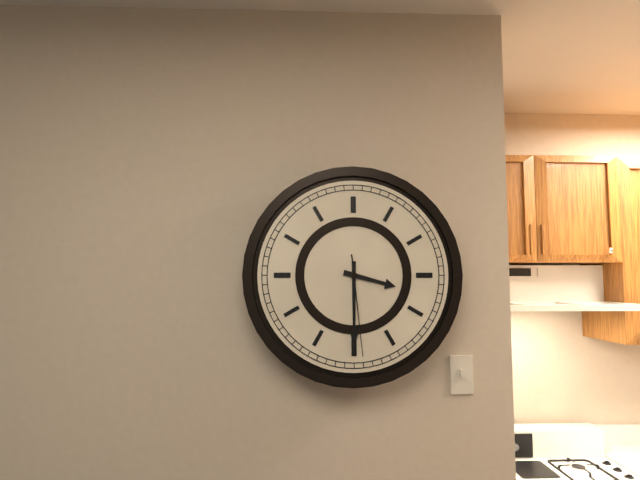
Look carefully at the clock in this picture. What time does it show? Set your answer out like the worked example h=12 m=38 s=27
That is h=3 m=30 s=29
